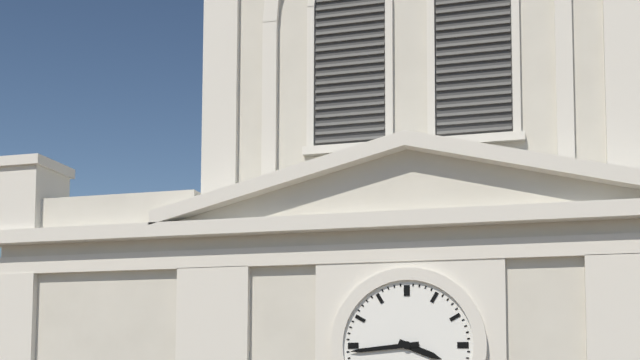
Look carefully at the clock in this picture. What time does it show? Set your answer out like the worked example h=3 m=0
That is h=3 m=44
